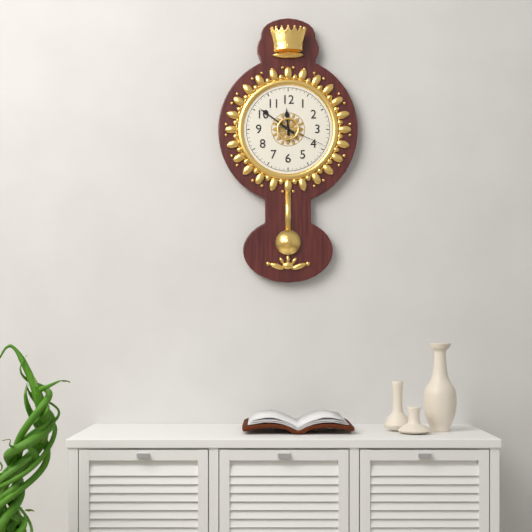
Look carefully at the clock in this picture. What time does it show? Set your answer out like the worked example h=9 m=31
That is h=11 m=51
